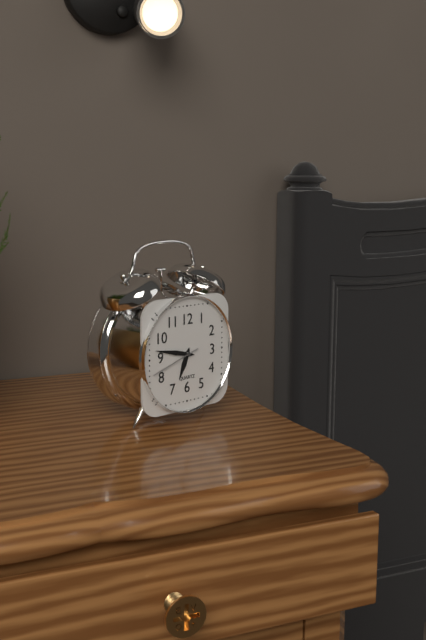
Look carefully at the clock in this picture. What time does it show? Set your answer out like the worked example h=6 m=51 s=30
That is h=6 m=47 s=42
